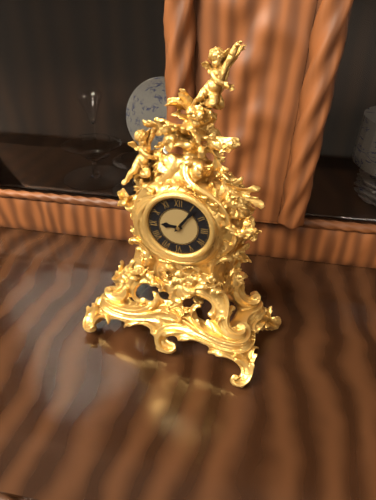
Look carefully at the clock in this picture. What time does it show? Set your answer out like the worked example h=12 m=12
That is h=9 m=6
